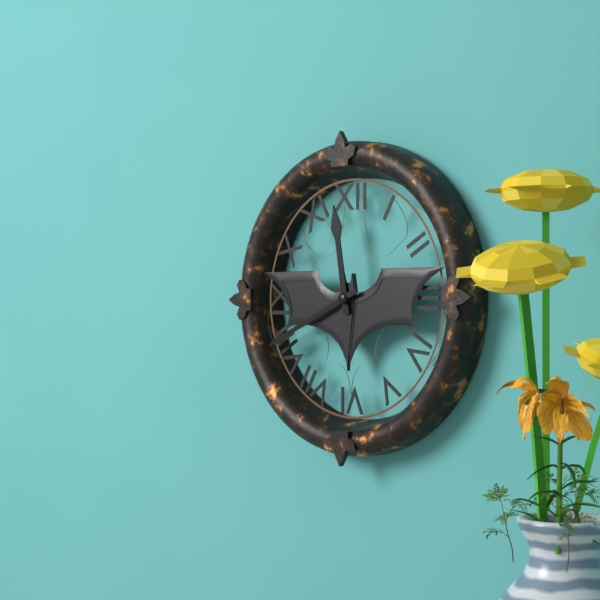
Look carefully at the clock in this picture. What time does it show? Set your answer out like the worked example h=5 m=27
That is h=11 m=41
